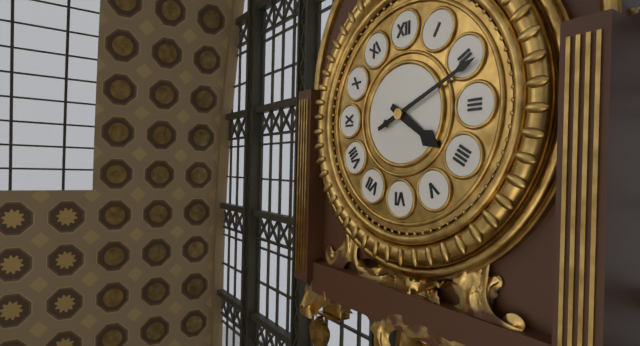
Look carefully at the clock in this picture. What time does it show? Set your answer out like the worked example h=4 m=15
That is h=4 m=11
